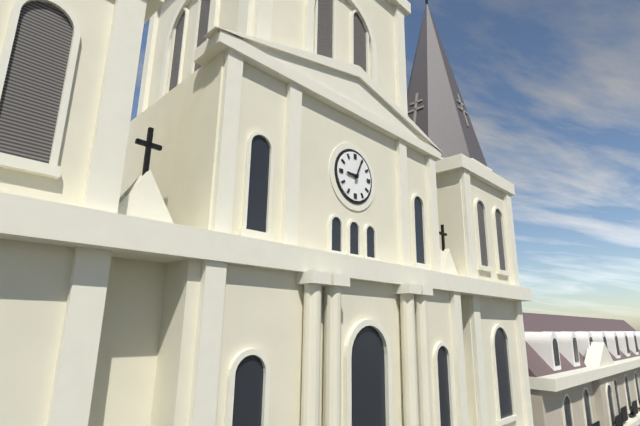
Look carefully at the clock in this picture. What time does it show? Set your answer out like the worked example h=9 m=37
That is h=9 m=4
